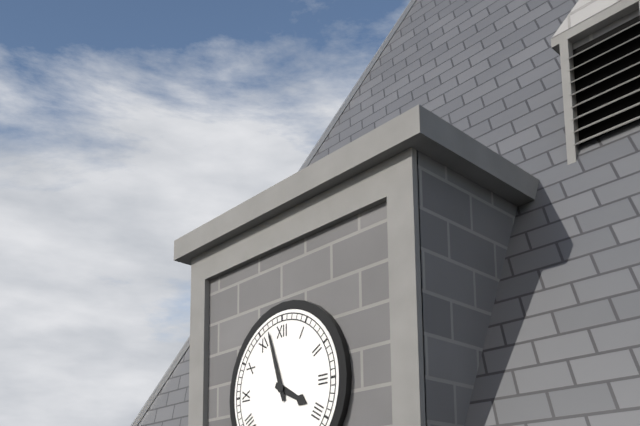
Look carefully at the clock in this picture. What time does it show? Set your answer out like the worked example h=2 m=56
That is h=3 m=57
